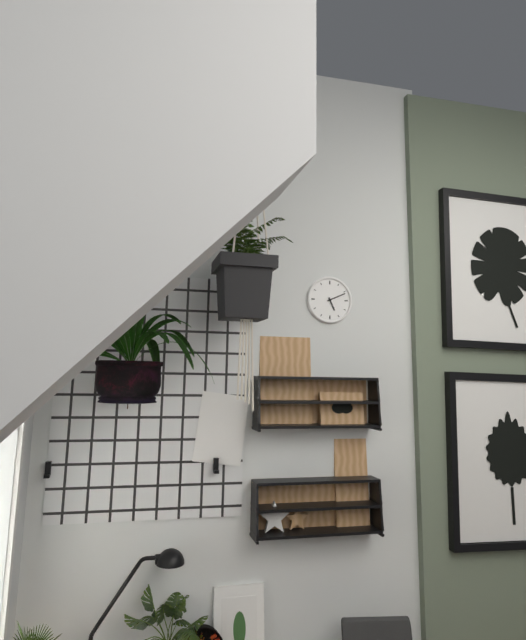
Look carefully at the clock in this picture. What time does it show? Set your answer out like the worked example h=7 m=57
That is h=5 m=11
